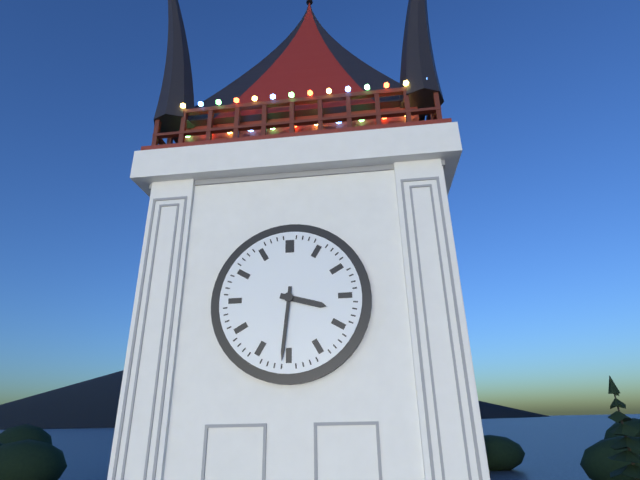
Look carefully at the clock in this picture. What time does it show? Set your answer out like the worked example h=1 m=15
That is h=3 m=31
